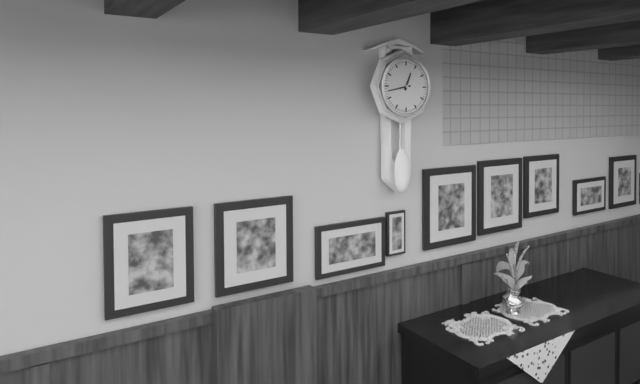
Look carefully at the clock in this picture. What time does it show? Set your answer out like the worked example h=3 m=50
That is h=12 m=43
